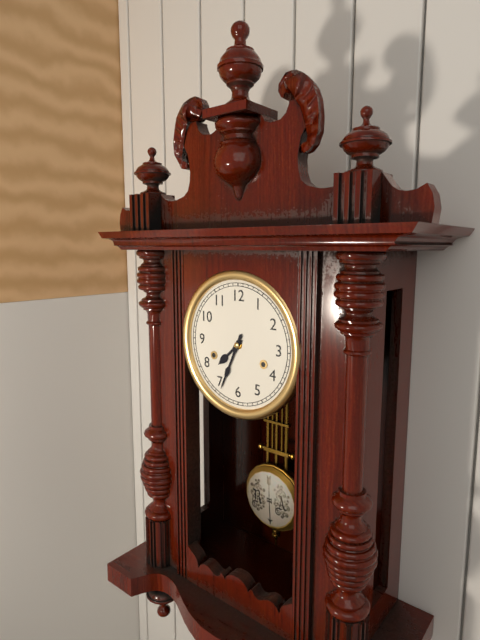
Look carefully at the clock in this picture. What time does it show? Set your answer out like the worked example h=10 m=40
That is h=7 m=34
